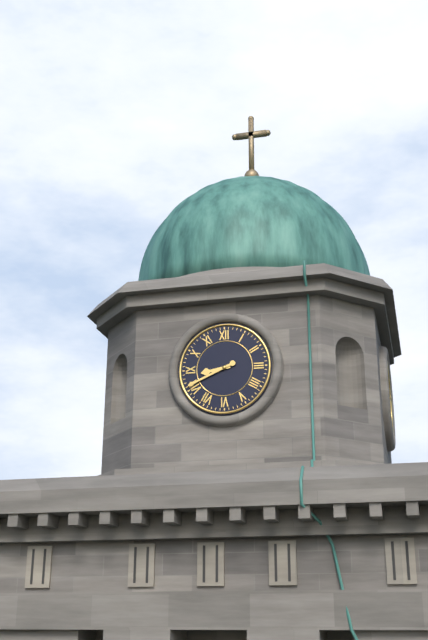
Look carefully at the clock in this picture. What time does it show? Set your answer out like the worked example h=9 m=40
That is h=8 m=41
